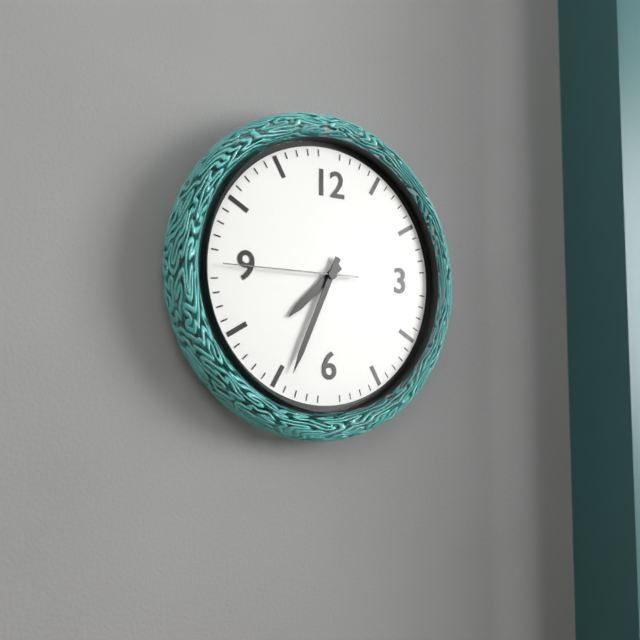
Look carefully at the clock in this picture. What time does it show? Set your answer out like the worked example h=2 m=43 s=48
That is h=7 m=34 s=45
